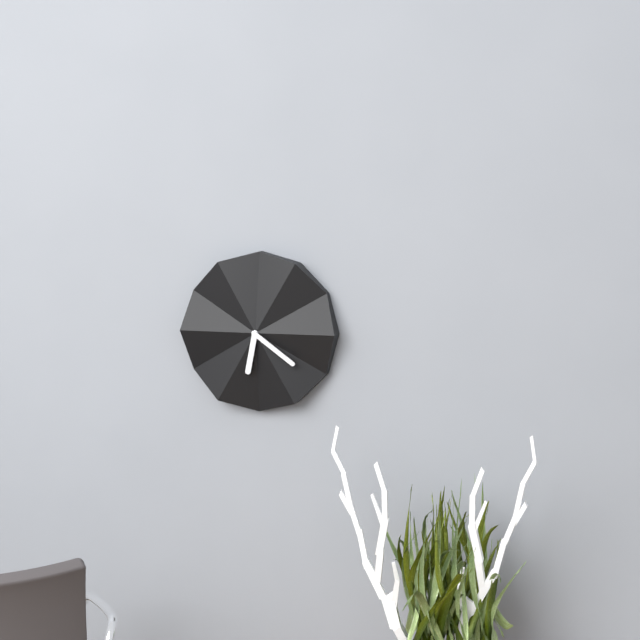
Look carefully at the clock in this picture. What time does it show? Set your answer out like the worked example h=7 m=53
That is h=6 m=21
